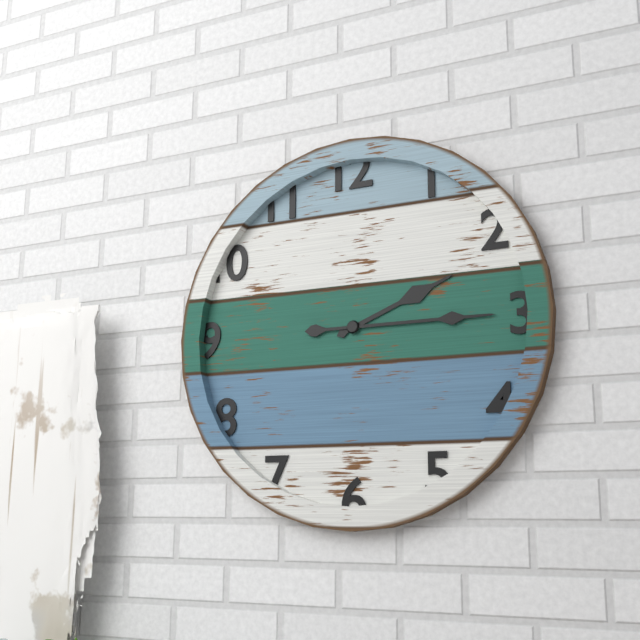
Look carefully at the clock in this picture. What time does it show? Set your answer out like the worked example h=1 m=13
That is h=2 m=15
